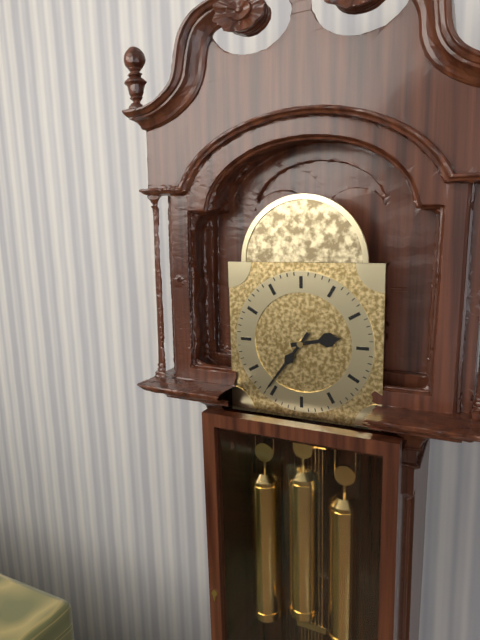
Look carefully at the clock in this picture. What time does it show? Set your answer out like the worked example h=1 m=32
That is h=2 m=36
